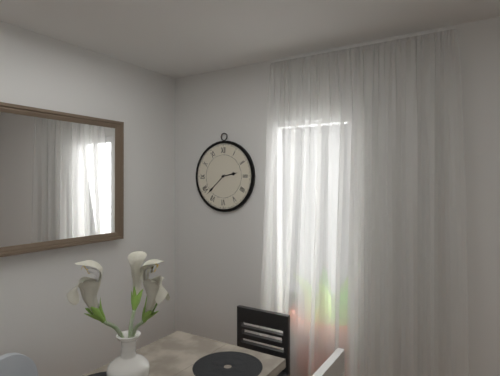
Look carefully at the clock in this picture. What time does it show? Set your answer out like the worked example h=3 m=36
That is h=2 m=38
